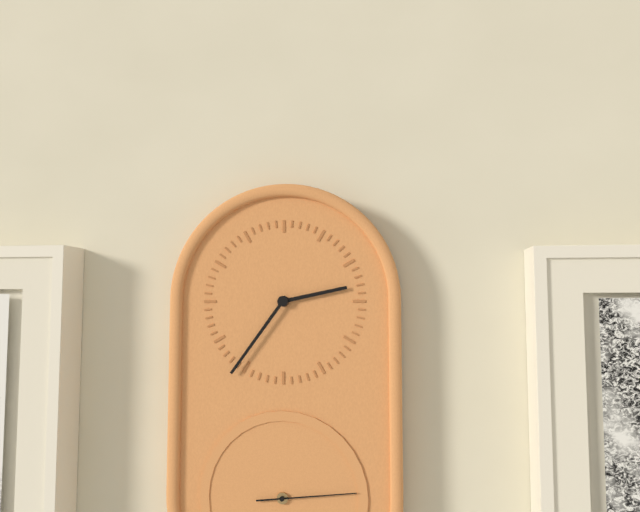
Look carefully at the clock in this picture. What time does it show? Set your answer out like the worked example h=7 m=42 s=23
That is h=2 m=36 s=14
